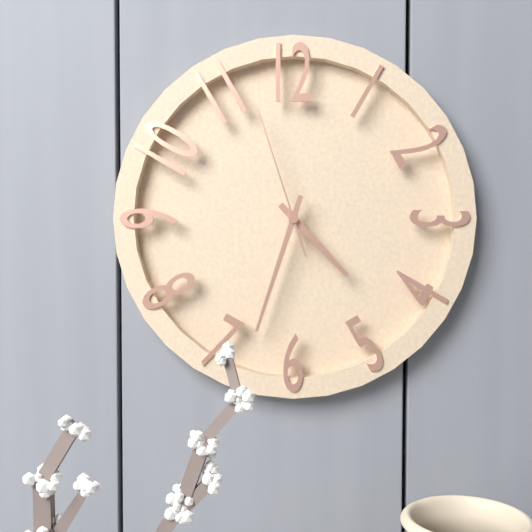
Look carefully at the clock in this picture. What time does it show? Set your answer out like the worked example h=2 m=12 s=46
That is h=4 m=33 s=57
